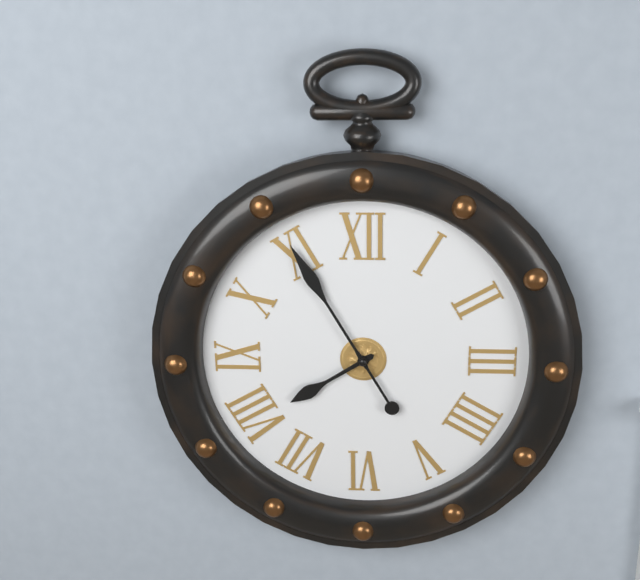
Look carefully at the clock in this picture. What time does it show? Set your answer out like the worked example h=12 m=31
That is h=7 m=55
